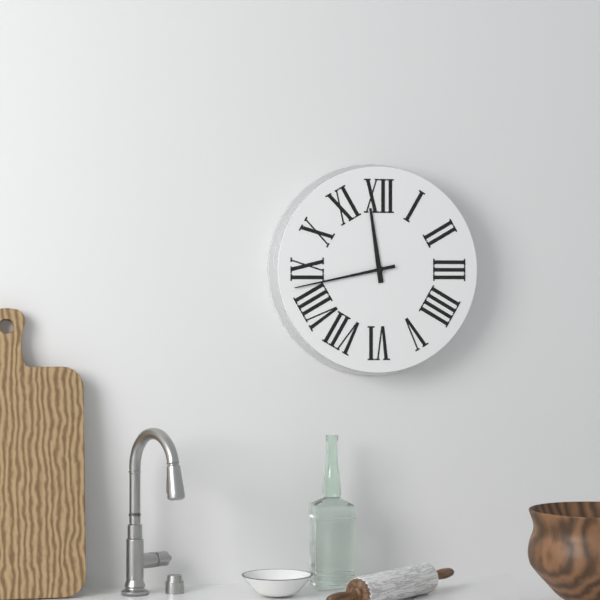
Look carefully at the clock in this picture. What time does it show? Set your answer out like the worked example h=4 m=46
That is h=11 m=43
